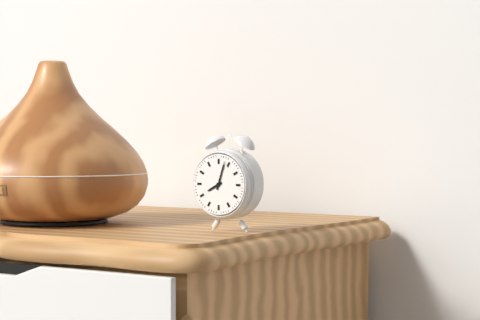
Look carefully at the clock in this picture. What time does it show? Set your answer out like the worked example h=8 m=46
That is h=8 m=3
